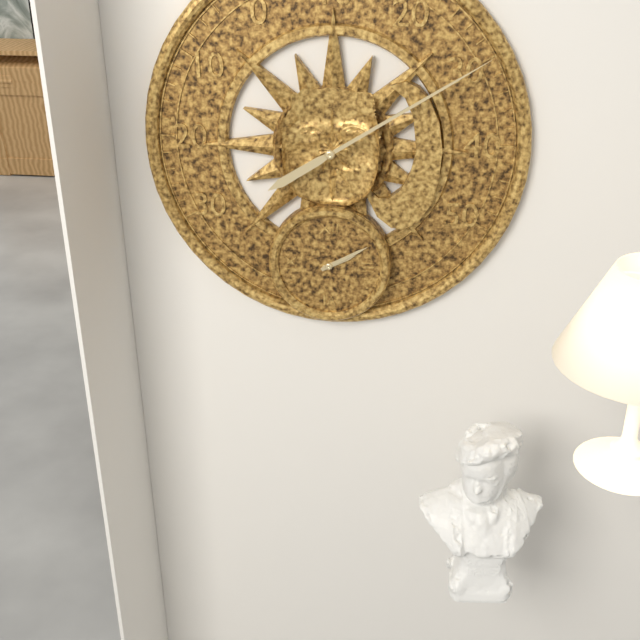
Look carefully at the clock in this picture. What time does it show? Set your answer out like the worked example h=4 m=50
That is h=2 m=10
